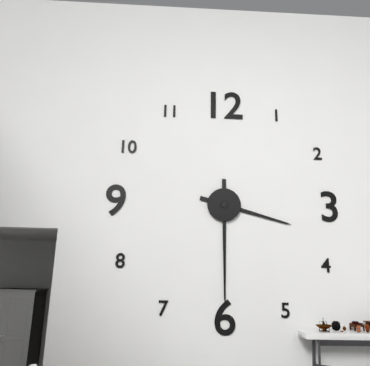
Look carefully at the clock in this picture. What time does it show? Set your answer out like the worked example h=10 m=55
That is h=3 m=30
